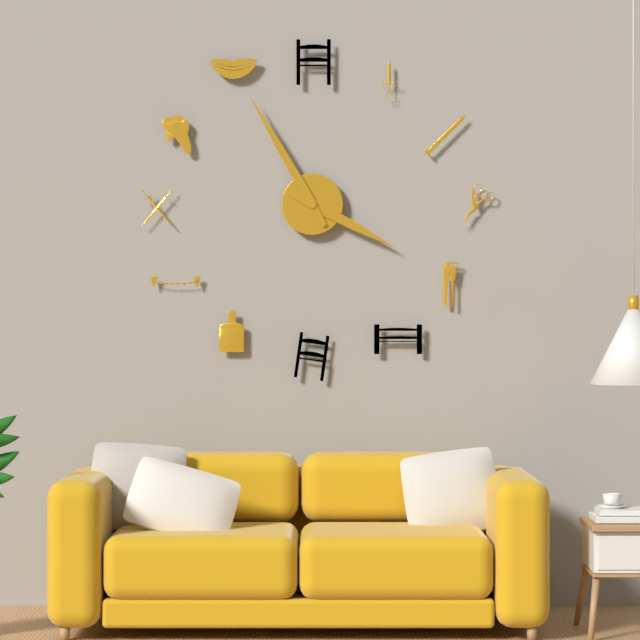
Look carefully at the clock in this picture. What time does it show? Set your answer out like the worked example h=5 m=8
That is h=3 m=55
